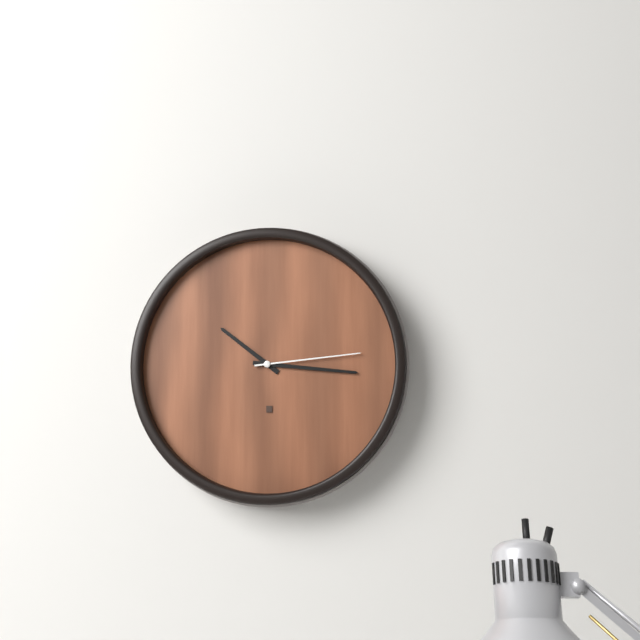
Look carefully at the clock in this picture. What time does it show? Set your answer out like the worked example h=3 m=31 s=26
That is h=10 m=16 s=14
